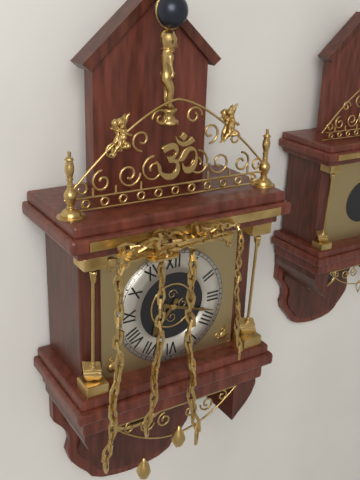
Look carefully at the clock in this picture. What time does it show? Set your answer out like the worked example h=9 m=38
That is h=7 m=18
